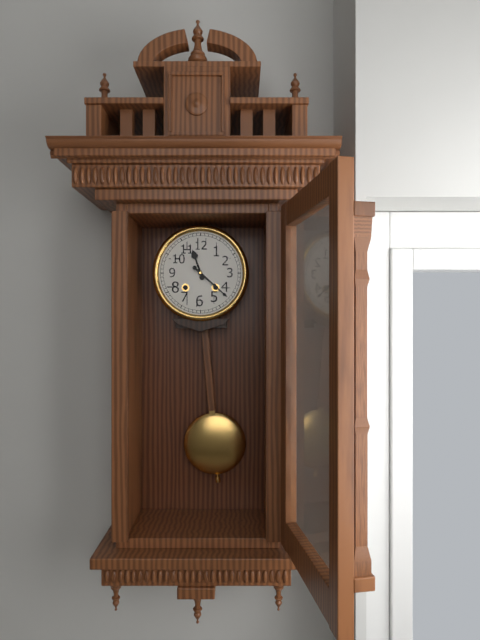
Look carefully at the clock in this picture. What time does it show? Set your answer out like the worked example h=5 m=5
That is h=11 m=22
